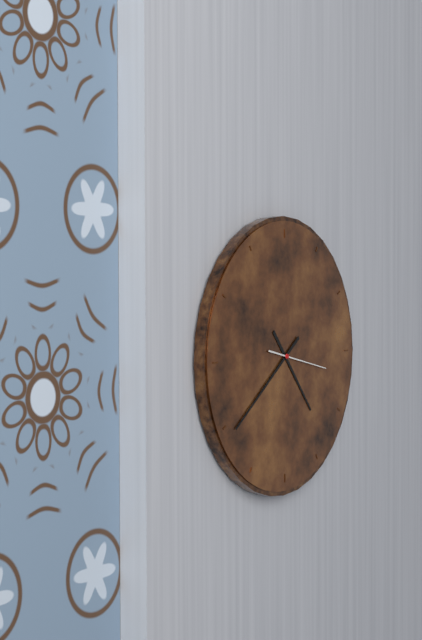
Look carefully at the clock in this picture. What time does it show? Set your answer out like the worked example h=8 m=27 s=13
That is h=4 m=39 s=17
